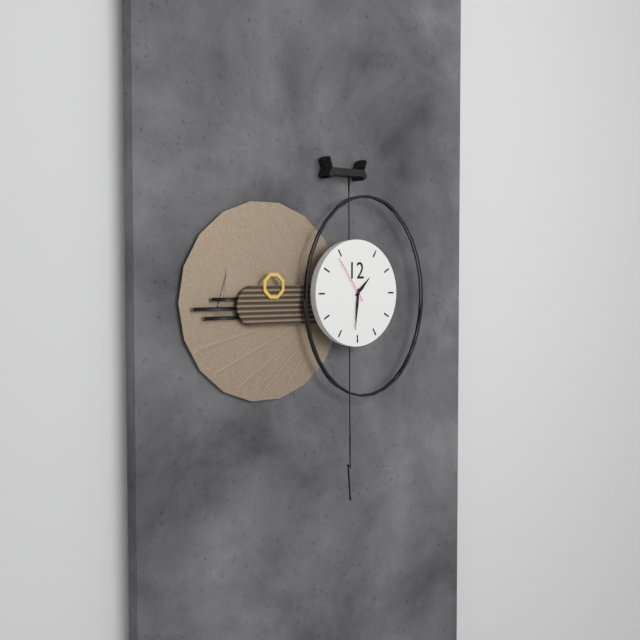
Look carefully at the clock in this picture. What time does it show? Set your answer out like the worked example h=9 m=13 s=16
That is h=1 m=31 s=54
